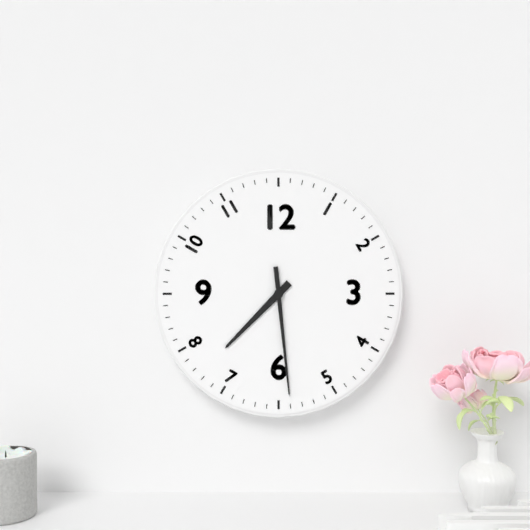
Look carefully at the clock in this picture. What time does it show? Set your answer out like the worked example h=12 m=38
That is h=7 m=29
